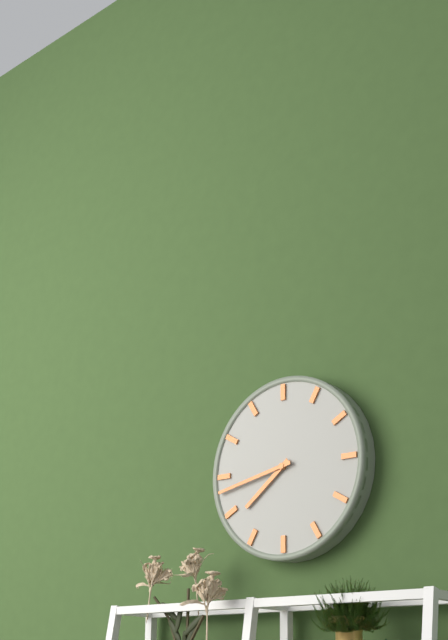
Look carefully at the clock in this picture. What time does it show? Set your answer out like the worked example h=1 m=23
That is h=7 m=43
